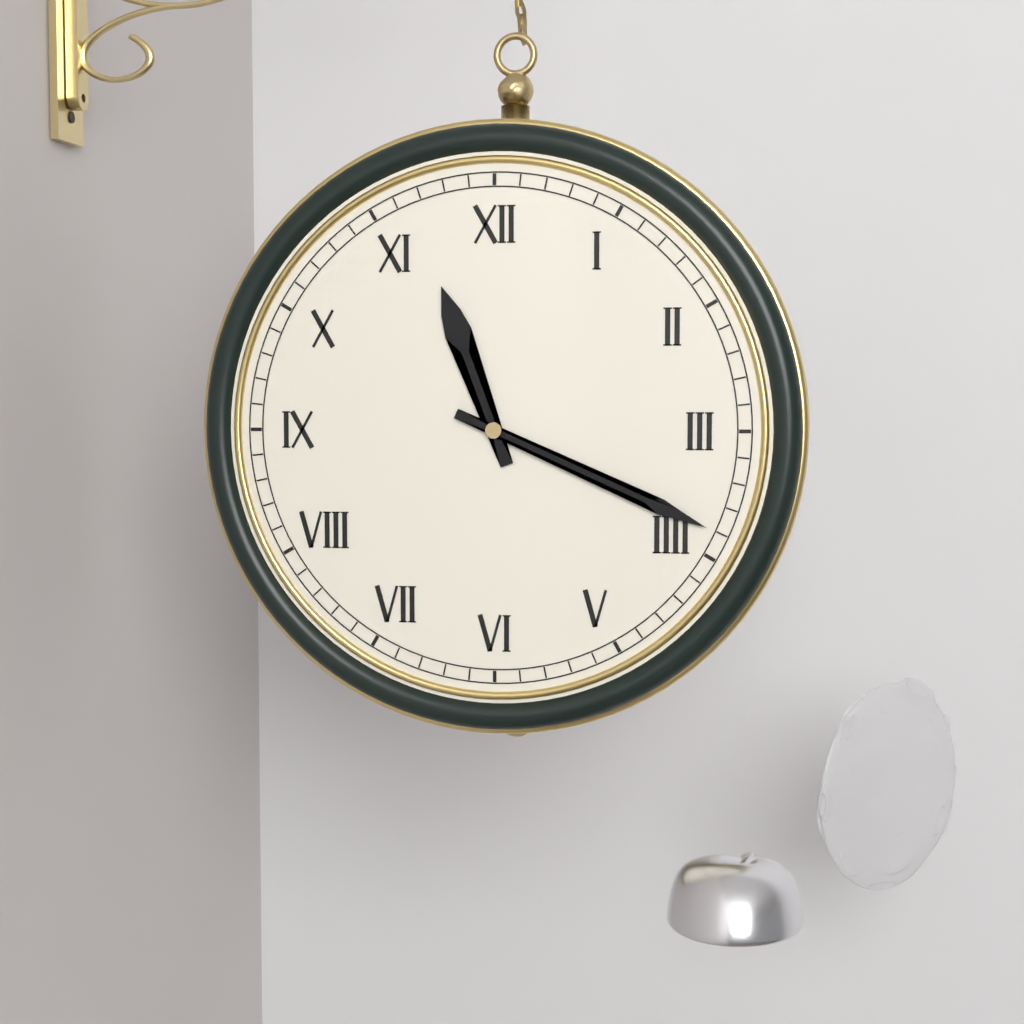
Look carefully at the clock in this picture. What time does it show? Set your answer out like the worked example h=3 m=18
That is h=11 m=19
